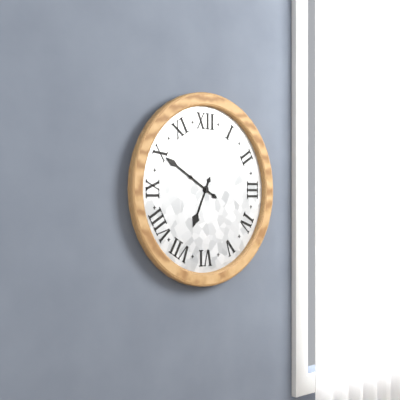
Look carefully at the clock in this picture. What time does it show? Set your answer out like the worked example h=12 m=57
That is h=6 m=50
